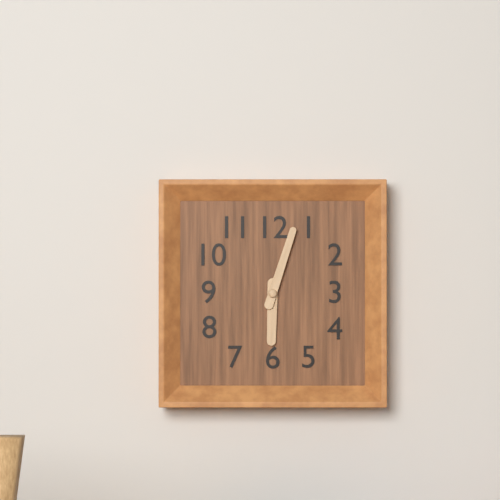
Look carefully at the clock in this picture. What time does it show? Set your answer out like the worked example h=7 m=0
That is h=6 m=3
